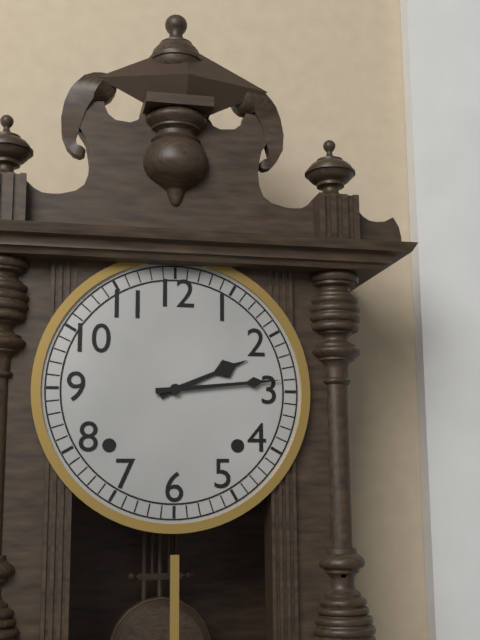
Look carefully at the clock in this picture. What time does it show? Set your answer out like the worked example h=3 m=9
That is h=2 m=14
